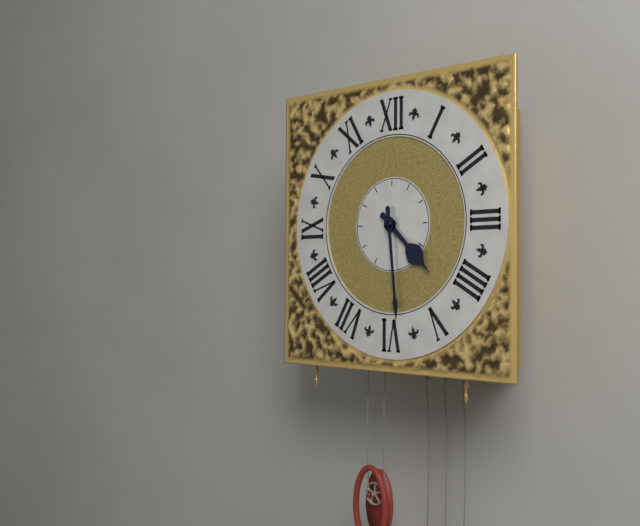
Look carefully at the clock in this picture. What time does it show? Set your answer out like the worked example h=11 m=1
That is h=4 m=29
